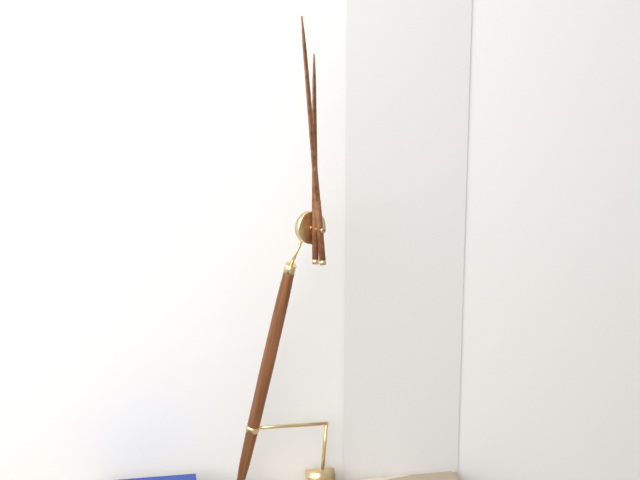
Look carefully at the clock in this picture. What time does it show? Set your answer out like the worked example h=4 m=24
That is h=11 m=59
